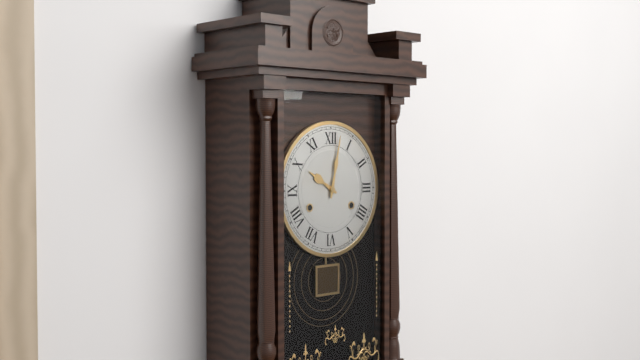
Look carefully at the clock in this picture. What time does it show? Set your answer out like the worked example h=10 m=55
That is h=10 m=2
